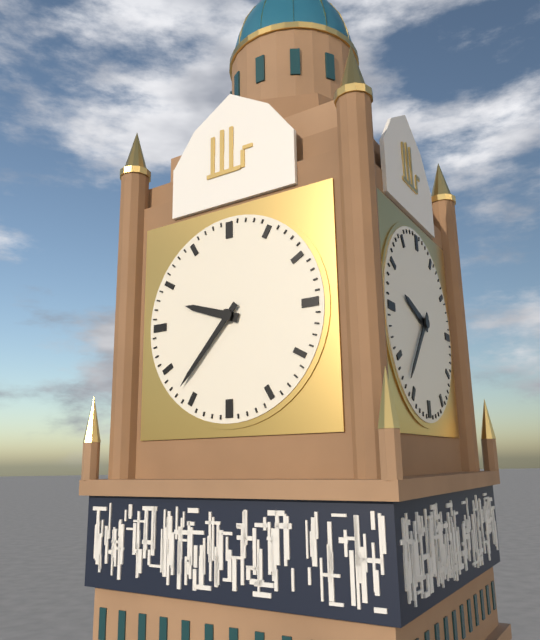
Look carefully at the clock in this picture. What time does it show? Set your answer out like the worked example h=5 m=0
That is h=9 m=37
